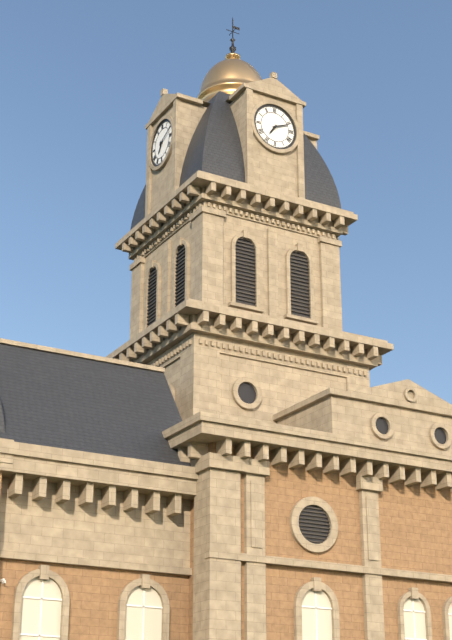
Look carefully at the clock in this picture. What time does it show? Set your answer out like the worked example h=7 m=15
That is h=7 m=11
